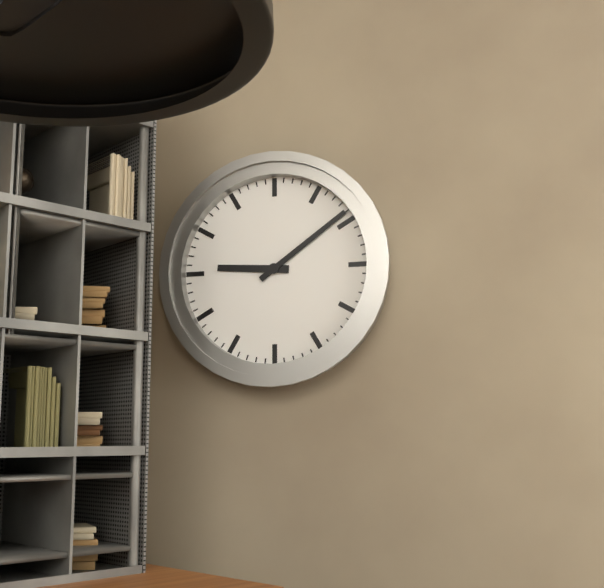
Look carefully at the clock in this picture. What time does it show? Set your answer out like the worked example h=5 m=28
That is h=9 m=9
